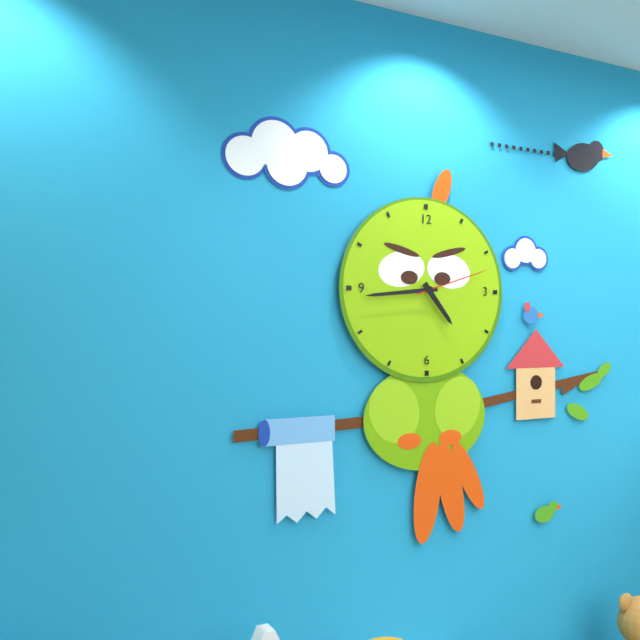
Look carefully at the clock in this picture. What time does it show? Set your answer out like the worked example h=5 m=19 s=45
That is h=4 m=44 s=12
